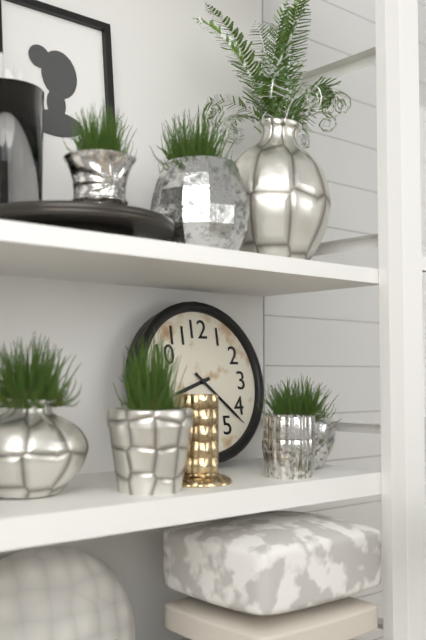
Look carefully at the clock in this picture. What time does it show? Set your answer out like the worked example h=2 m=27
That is h=8 m=22
